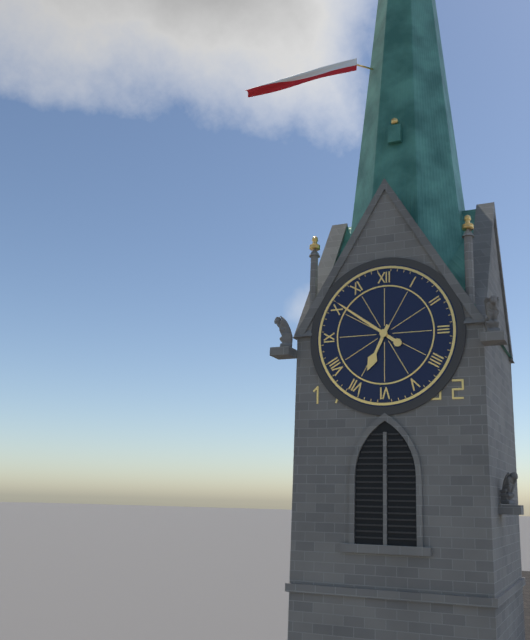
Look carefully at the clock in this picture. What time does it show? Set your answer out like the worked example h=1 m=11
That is h=6 m=51
